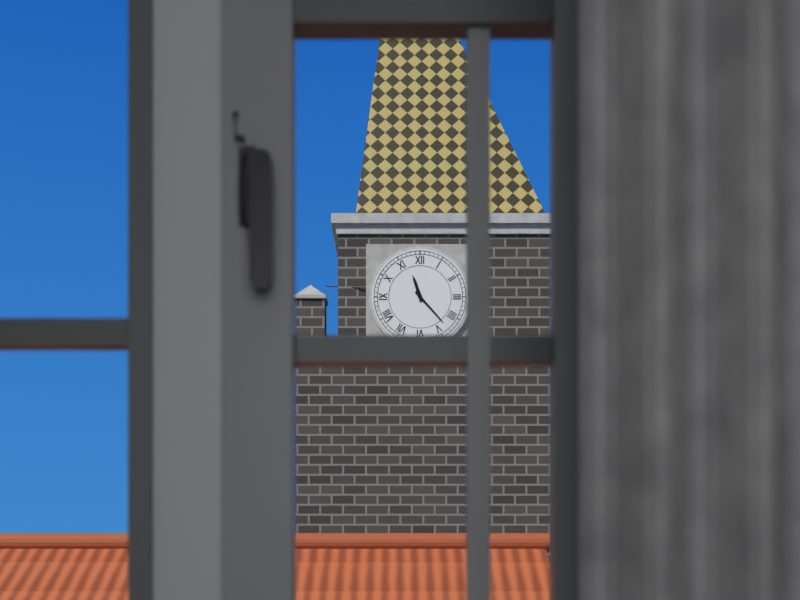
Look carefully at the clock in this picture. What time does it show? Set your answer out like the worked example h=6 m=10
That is h=11 m=23
